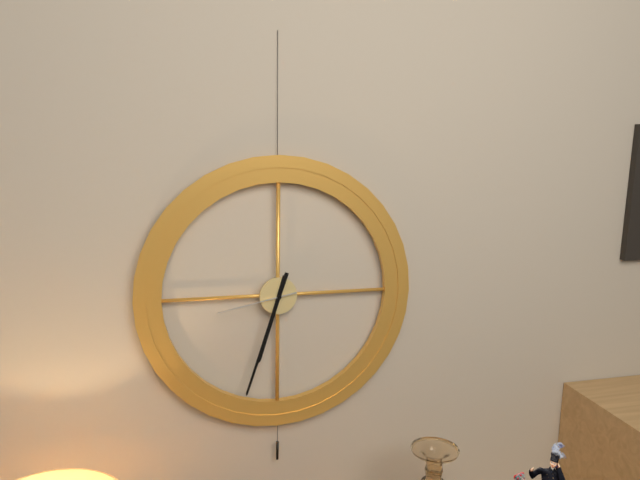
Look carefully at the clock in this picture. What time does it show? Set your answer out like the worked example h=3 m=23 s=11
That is h=6 m=33 s=43
